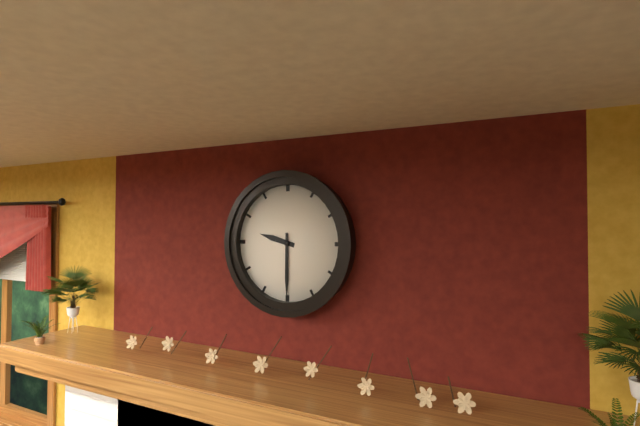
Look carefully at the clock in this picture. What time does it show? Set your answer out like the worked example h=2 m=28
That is h=9 m=30
